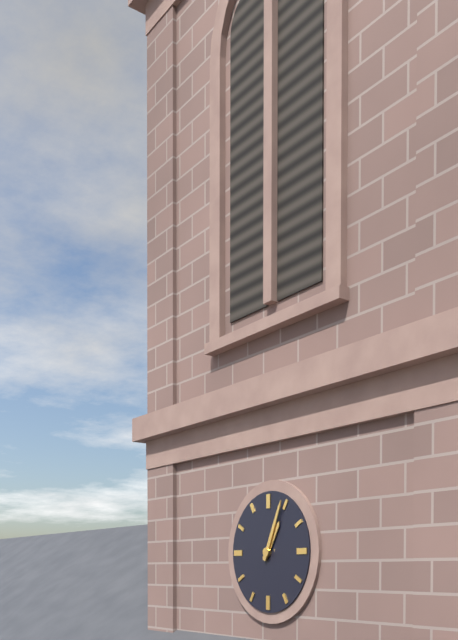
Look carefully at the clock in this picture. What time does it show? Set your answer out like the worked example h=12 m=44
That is h=1 m=4
